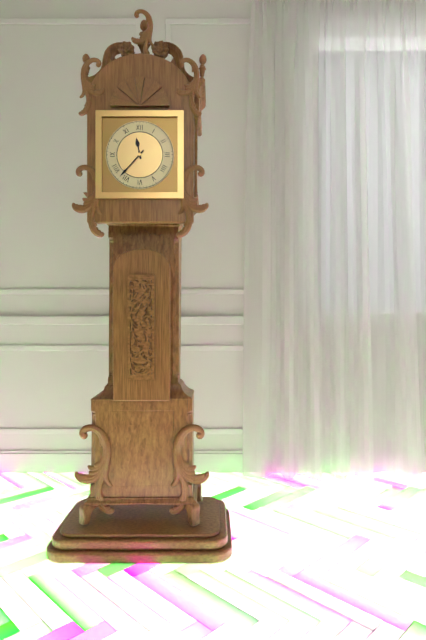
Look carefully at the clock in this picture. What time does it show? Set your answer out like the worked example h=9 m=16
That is h=11 m=37
